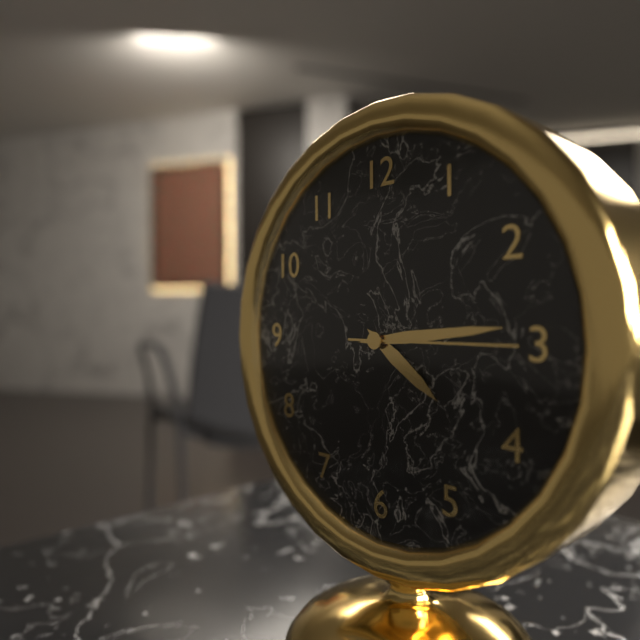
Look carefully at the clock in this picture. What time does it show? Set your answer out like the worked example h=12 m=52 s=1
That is h=4 m=14 s=15
